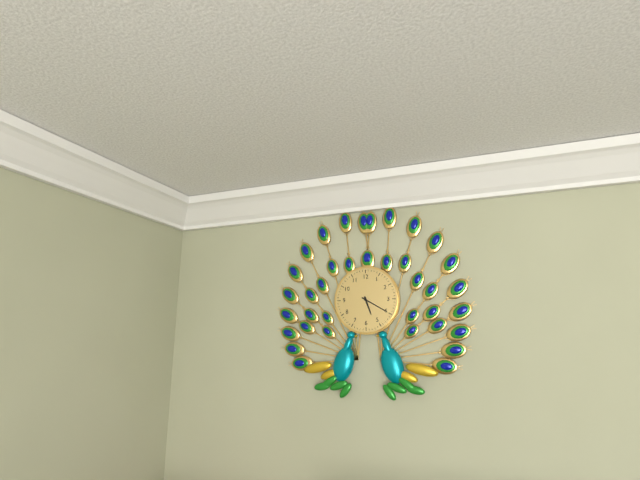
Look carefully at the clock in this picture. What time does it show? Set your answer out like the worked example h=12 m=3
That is h=5 m=20
